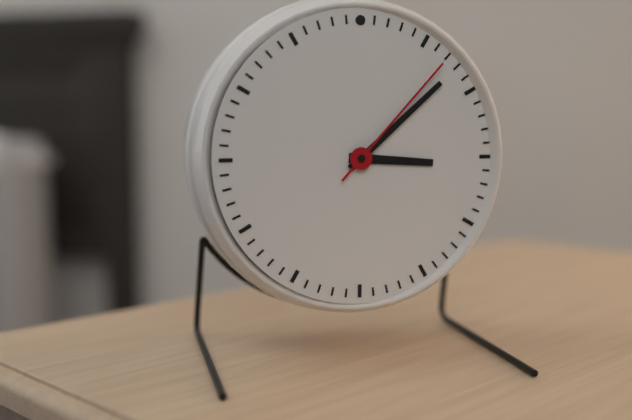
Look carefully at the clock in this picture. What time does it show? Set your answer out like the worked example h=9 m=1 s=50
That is h=3 m=8 s=7
